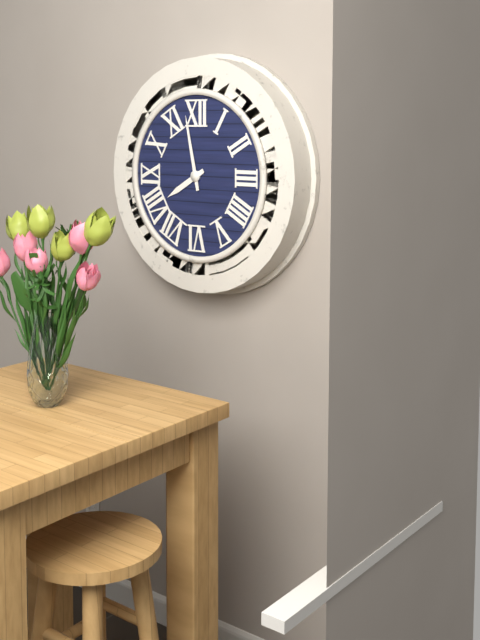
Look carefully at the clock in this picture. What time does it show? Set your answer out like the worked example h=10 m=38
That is h=7 m=58
